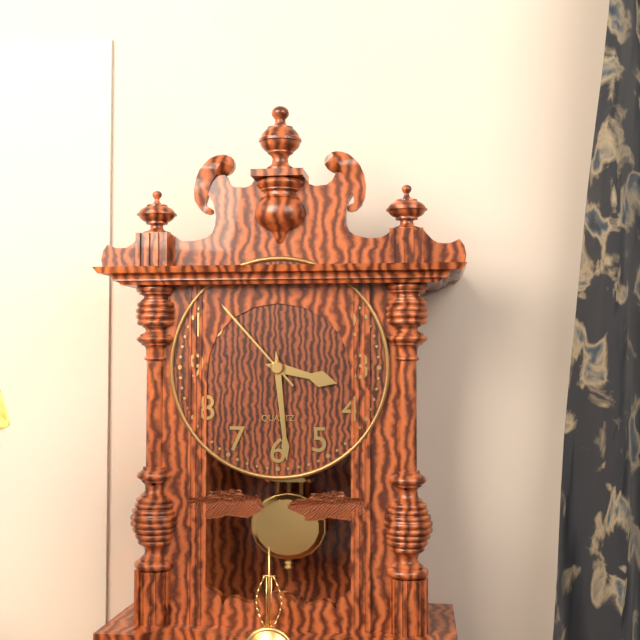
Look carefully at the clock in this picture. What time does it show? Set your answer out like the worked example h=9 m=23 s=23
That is h=3 m=29 s=53
